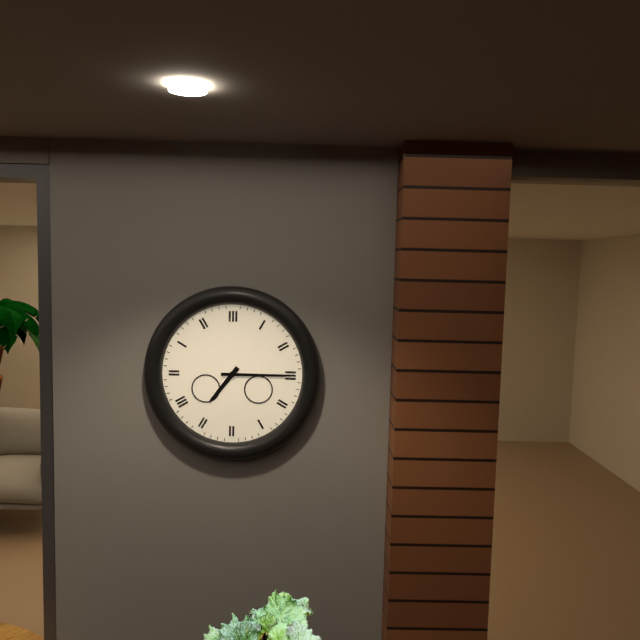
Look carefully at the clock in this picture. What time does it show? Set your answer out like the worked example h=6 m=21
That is h=7 m=15
